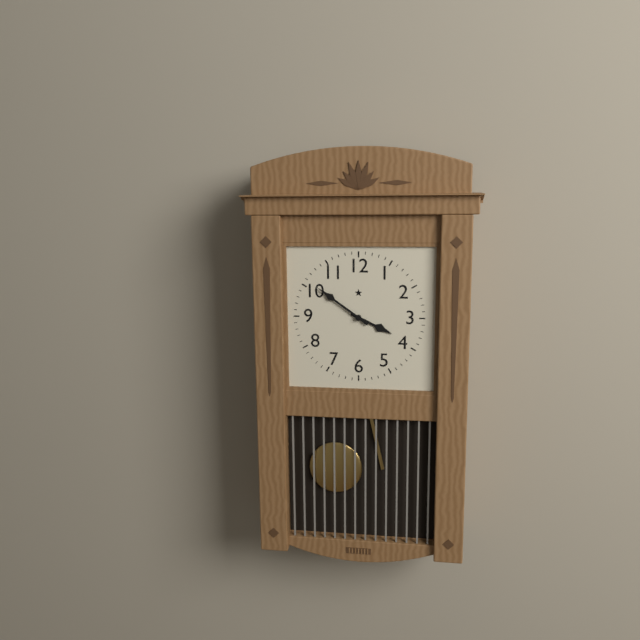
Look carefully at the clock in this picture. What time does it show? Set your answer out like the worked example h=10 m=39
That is h=3 m=51
